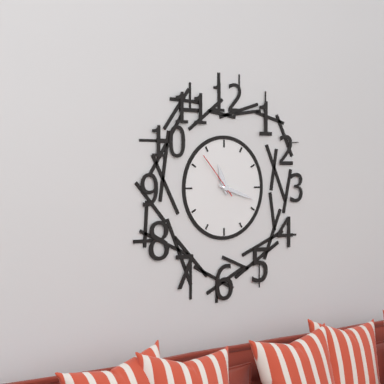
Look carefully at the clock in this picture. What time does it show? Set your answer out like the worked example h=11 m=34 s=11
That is h=11 m=18 s=53
